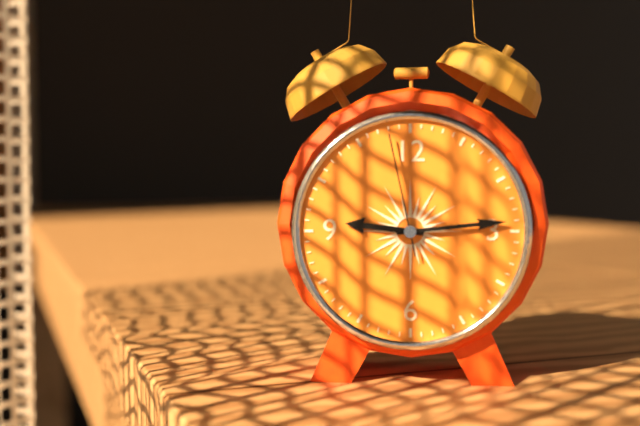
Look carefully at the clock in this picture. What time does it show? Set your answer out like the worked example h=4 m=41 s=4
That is h=9 m=14 s=58
